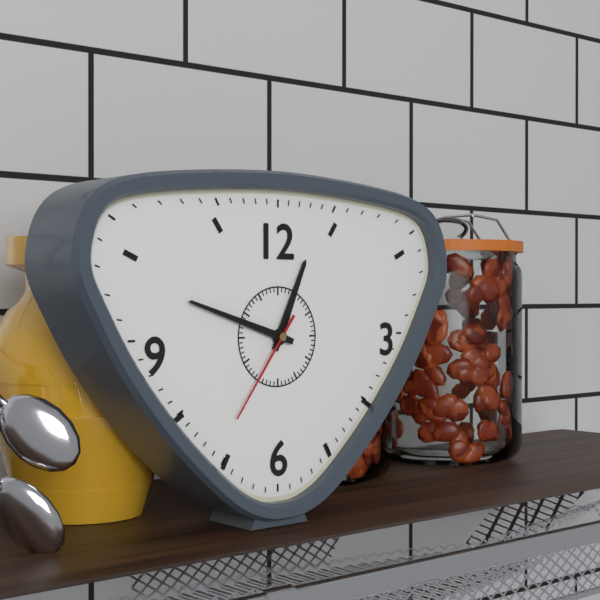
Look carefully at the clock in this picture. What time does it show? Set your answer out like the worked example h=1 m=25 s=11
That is h=12 m=48 s=36
